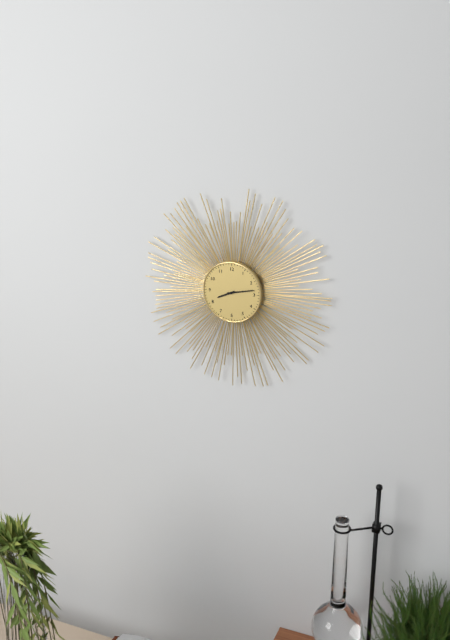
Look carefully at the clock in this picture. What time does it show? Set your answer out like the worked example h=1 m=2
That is h=8 m=13
